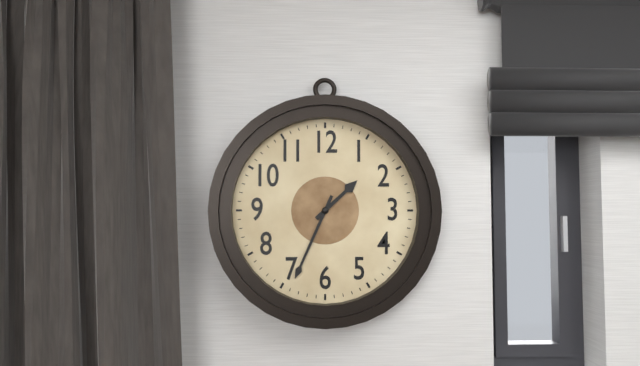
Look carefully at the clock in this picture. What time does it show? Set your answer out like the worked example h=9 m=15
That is h=1 m=34
